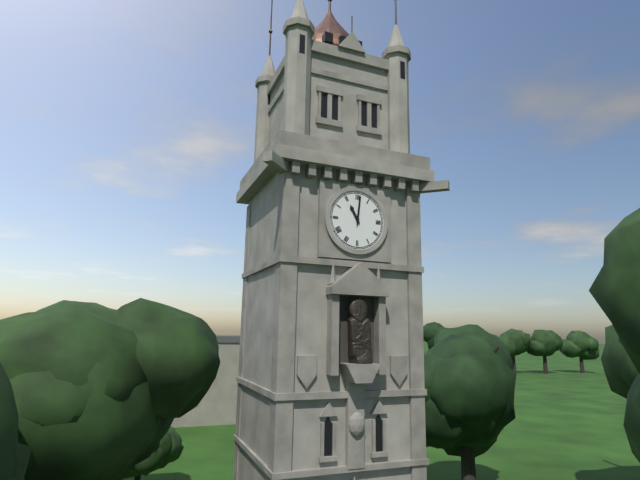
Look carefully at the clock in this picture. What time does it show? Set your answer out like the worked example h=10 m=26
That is h=11 m=1
